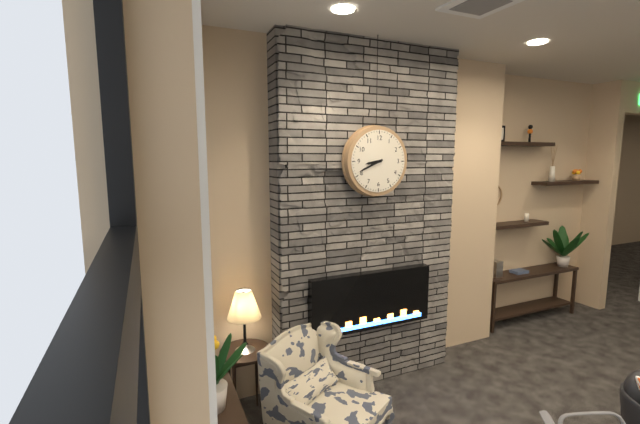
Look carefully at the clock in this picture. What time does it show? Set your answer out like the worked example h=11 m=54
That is h=8 m=41
